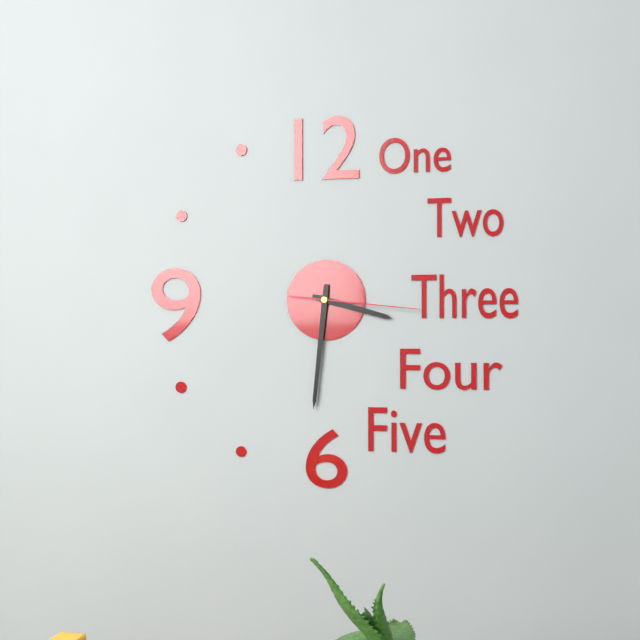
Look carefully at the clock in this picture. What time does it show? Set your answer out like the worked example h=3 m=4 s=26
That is h=3 m=31 s=16
